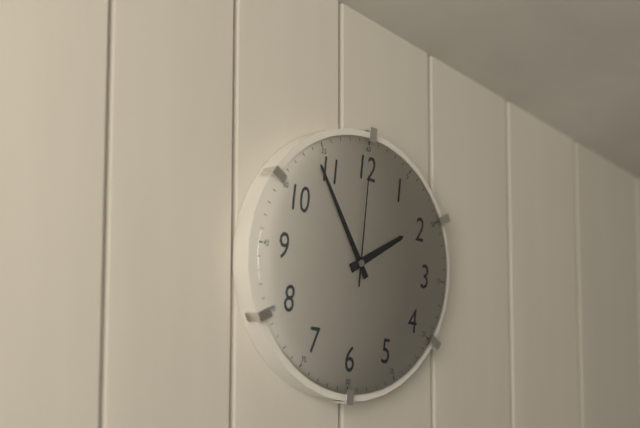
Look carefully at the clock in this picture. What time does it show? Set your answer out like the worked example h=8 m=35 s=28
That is h=1 m=54 s=0
